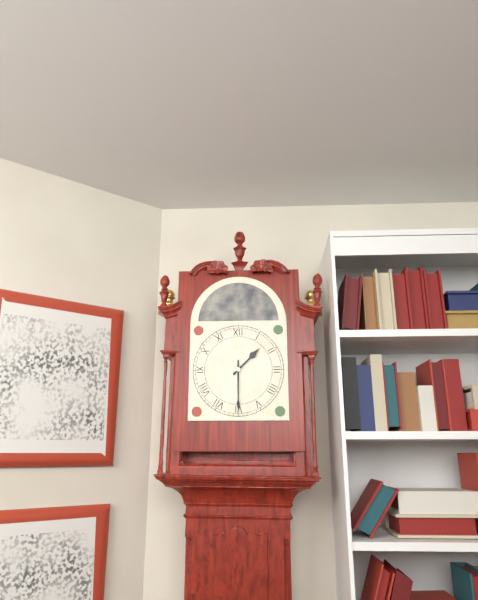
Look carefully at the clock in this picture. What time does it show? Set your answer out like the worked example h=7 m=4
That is h=1 m=30
